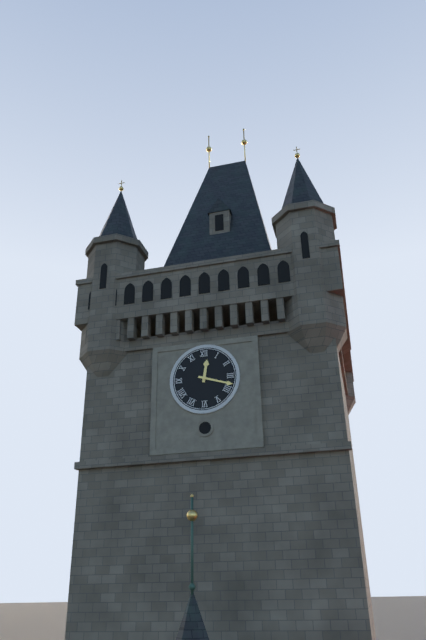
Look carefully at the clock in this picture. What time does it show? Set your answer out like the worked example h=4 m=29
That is h=12 m=18
